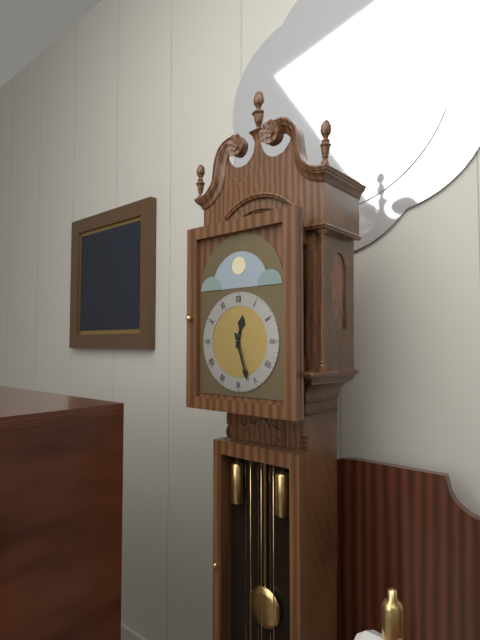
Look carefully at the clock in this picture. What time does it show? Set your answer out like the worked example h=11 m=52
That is h=12 m=27
